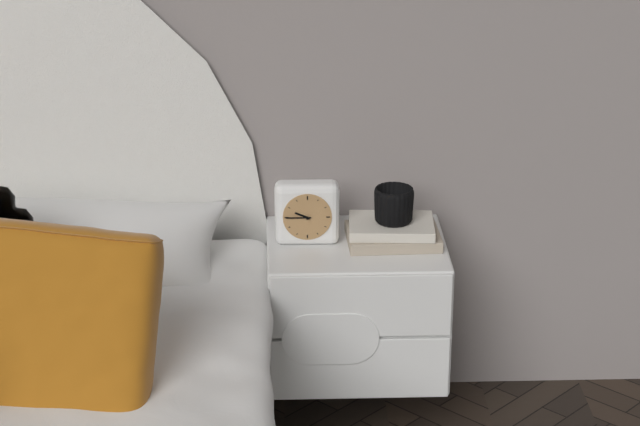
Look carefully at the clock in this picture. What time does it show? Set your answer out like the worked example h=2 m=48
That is h=9 m=45
